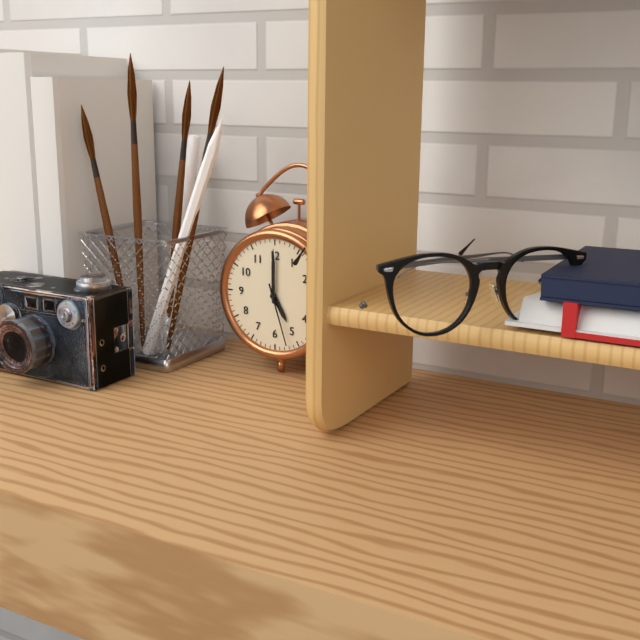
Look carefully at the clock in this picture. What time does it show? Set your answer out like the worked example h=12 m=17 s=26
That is h=5 m=0 s=27
